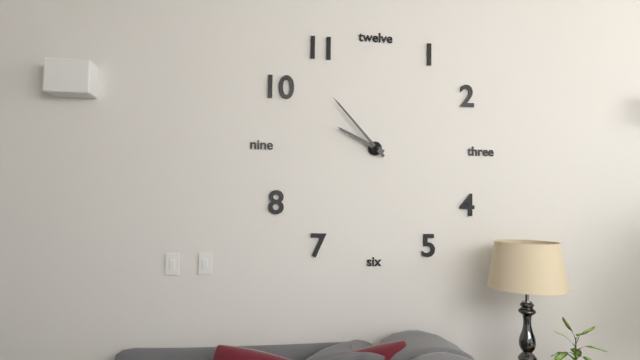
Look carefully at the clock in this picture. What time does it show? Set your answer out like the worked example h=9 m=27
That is h=9 m=53
